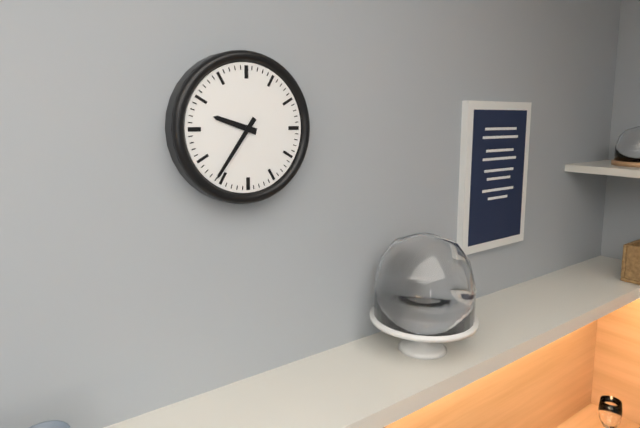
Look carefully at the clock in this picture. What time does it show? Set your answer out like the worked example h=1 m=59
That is h=9 m=36
